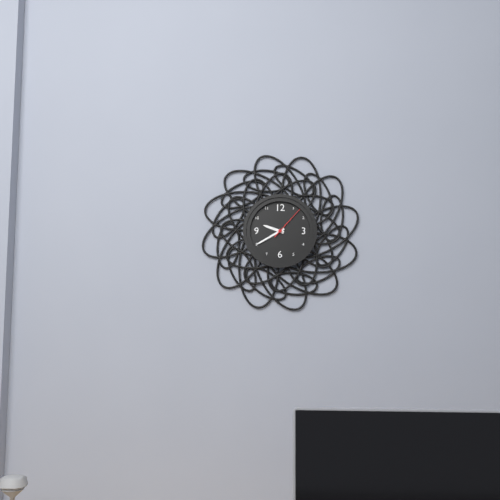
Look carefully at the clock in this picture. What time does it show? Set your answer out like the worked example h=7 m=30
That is h=9 m=40
